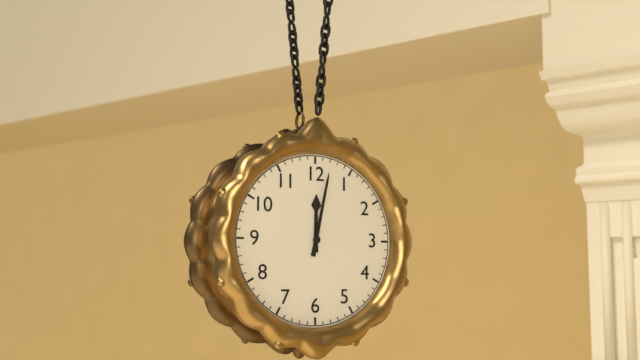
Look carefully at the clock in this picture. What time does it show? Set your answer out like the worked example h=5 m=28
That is h=12 m=2
